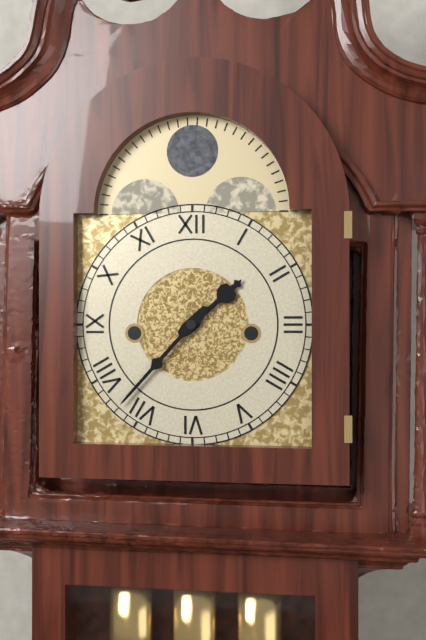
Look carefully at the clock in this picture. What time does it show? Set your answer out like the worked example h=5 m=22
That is h=1 m=37
